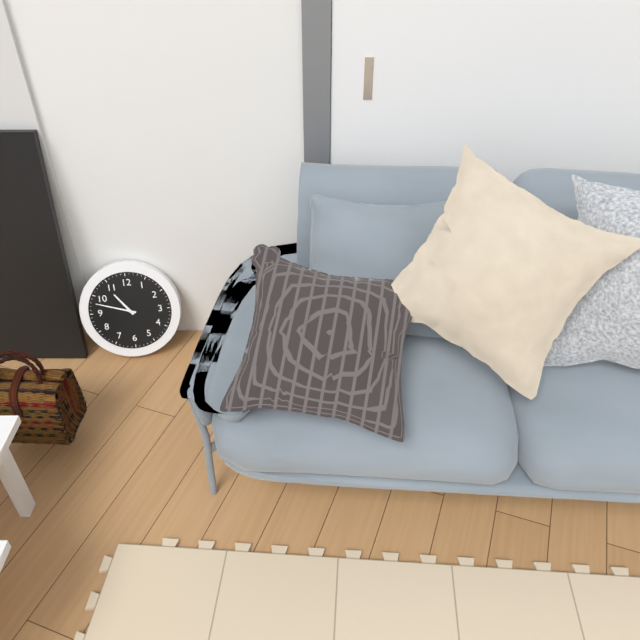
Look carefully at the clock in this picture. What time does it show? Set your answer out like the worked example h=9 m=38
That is h=10 m=48
